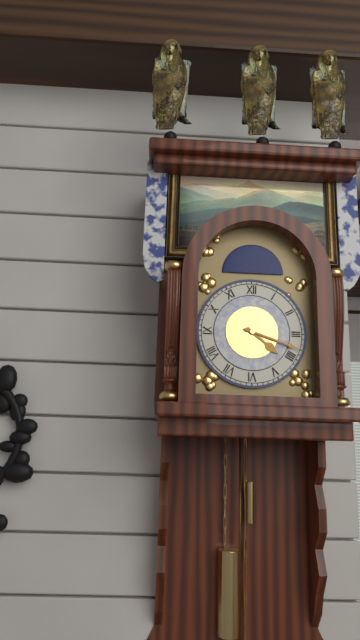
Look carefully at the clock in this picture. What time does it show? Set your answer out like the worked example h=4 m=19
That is h=4 m=18
